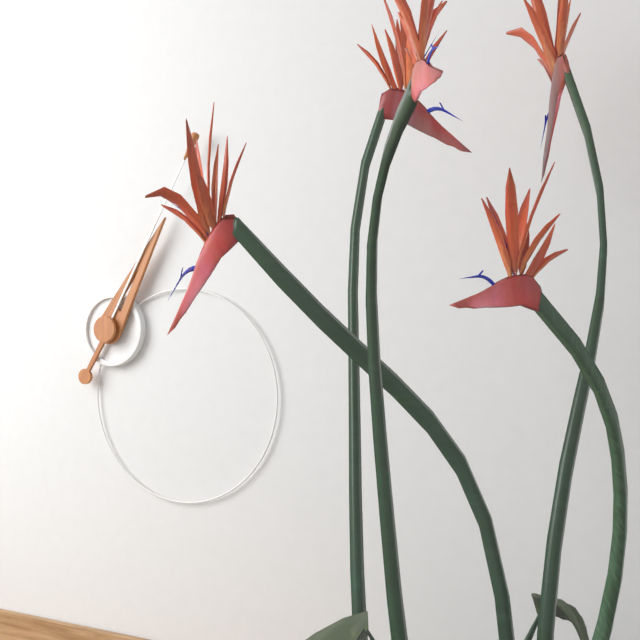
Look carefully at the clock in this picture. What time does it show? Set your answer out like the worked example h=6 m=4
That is h=1 m=5
